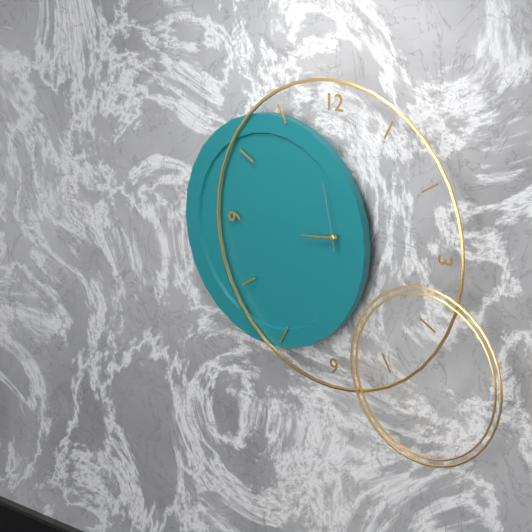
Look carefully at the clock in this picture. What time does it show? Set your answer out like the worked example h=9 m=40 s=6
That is h=8 m=44 s=58
